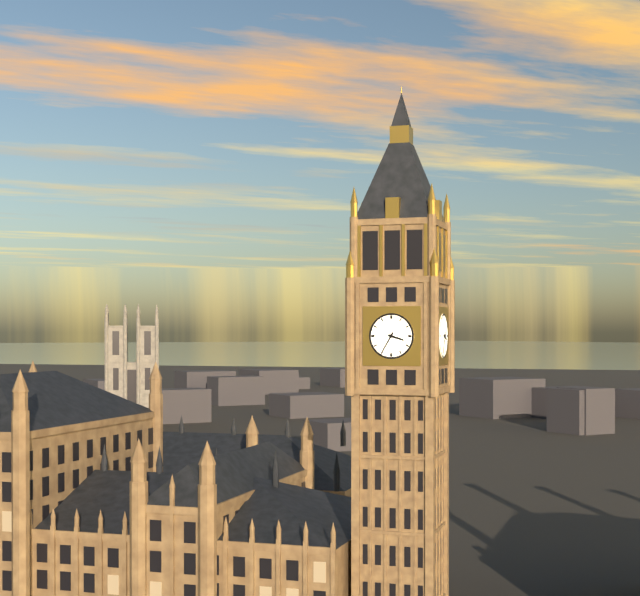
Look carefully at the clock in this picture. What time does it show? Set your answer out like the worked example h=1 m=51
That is h=3 m=35
